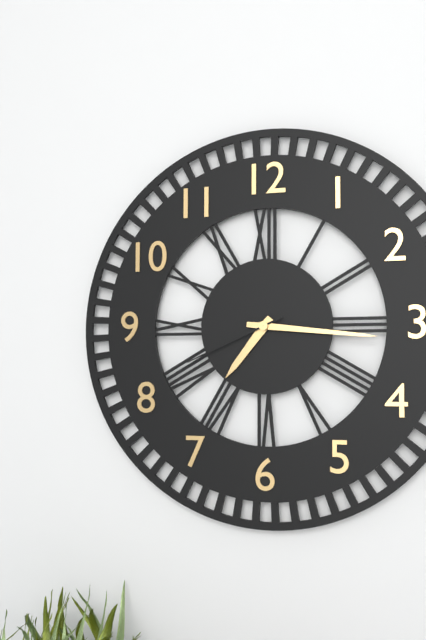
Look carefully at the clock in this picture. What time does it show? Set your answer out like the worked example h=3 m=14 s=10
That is h=7 m=16 s=41
